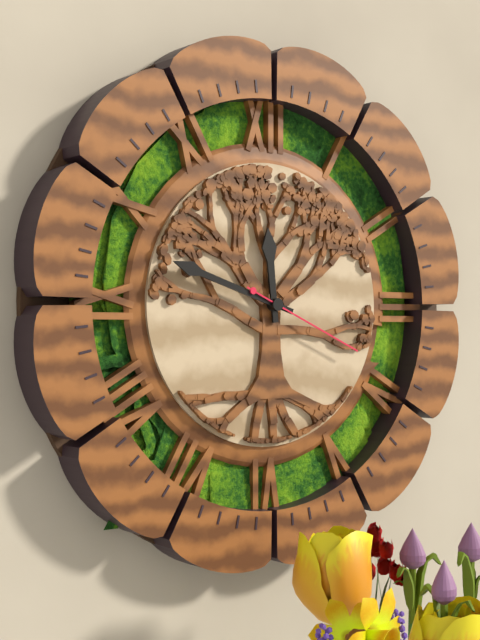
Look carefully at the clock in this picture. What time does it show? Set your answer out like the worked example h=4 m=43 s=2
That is h=11 m=48 s=19
